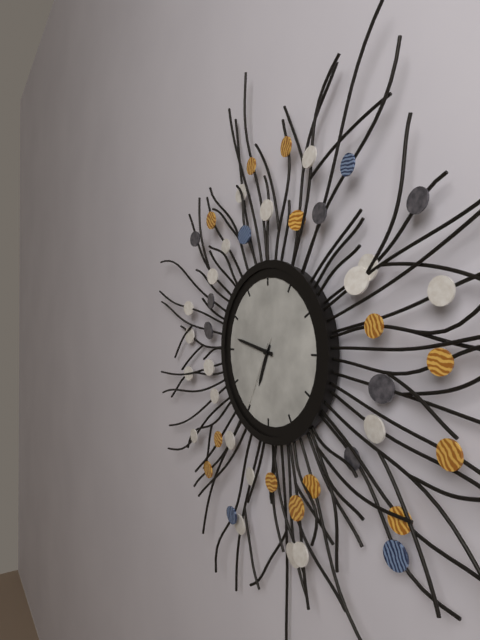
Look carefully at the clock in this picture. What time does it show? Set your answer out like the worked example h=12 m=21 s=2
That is h=6 m=47 s=35
